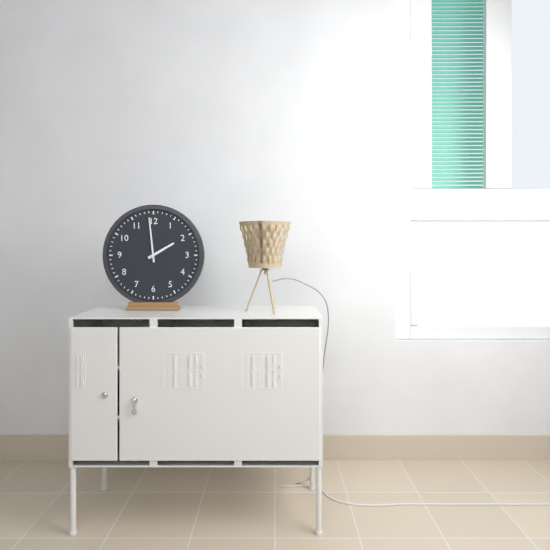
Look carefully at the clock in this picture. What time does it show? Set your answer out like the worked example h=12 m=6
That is h=1 m=59
